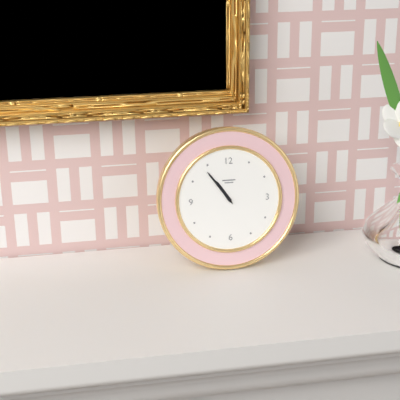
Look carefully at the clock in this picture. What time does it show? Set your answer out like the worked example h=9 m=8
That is h=10 m=54
